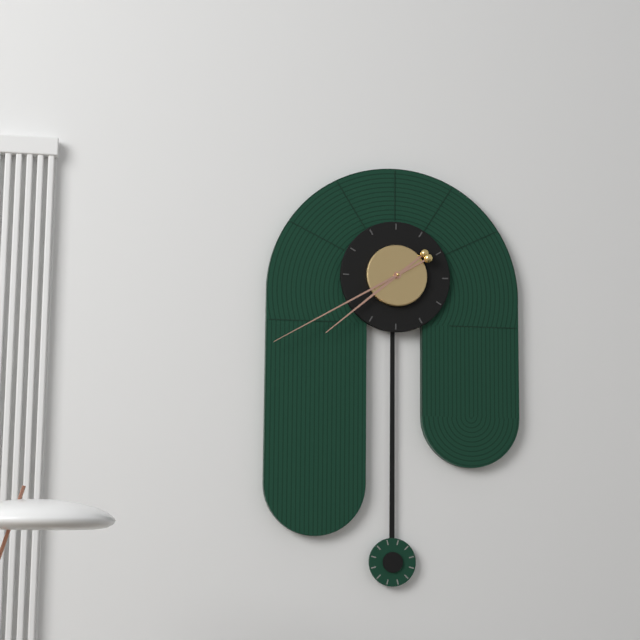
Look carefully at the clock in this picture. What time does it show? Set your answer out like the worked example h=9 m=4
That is h=7 m=40
